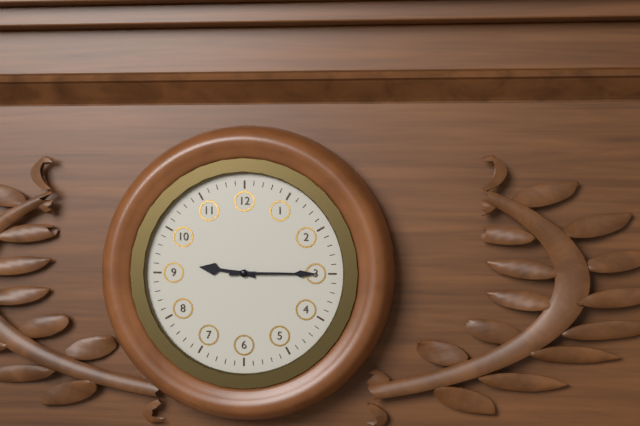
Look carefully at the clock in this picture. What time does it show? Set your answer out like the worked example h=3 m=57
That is h=9 m=15
